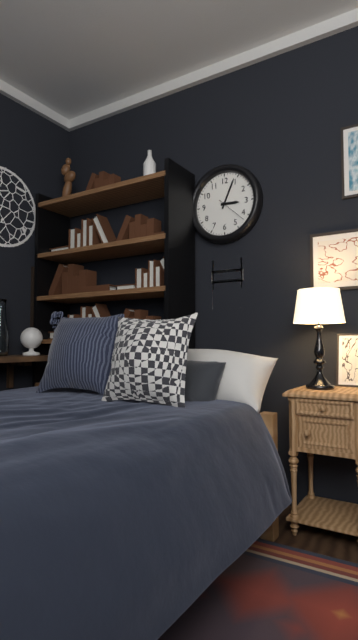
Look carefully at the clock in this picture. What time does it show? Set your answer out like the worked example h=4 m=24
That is h=3 m=4
